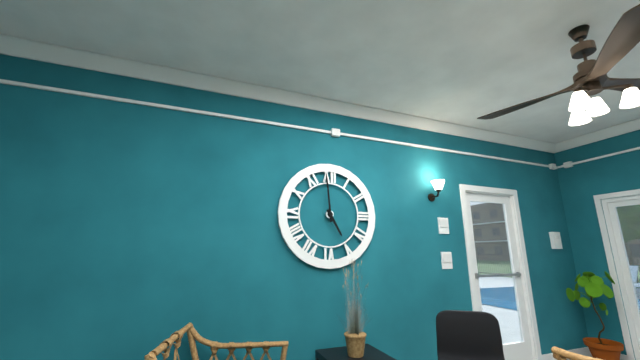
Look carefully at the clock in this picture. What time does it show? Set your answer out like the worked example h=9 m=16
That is h=4 m=59
